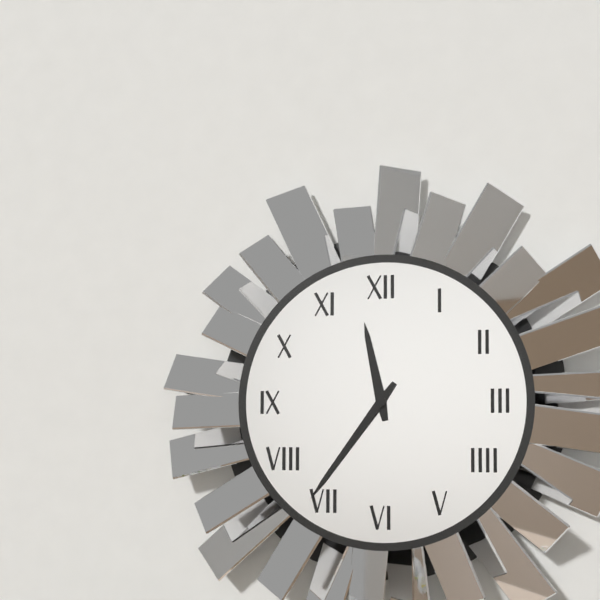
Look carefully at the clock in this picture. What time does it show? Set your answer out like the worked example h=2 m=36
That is h=11 m=36
